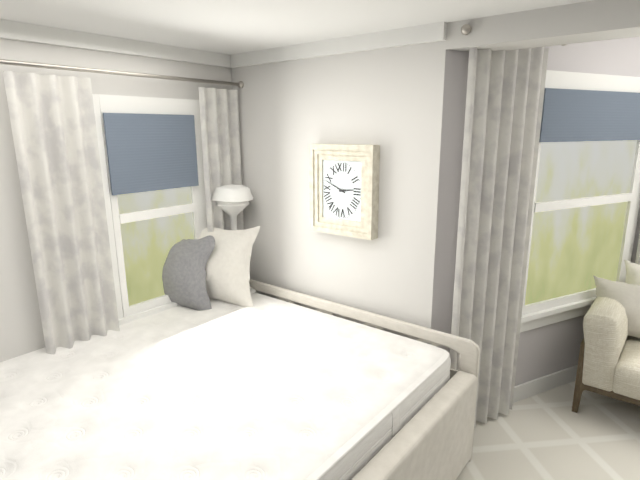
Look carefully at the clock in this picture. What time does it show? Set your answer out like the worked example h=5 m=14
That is h=2 m=49
